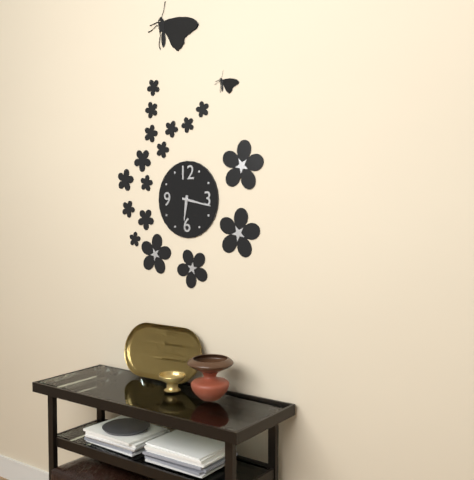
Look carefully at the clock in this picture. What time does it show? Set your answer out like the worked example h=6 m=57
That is h=6 m=17
